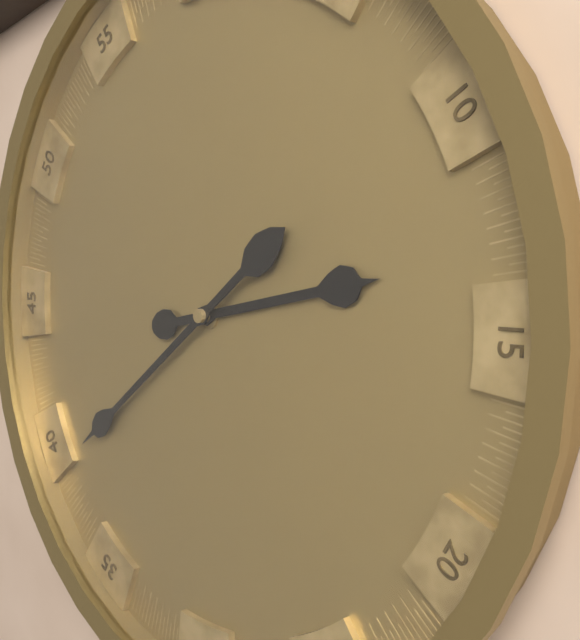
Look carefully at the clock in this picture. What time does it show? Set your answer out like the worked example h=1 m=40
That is h=2 m=39
